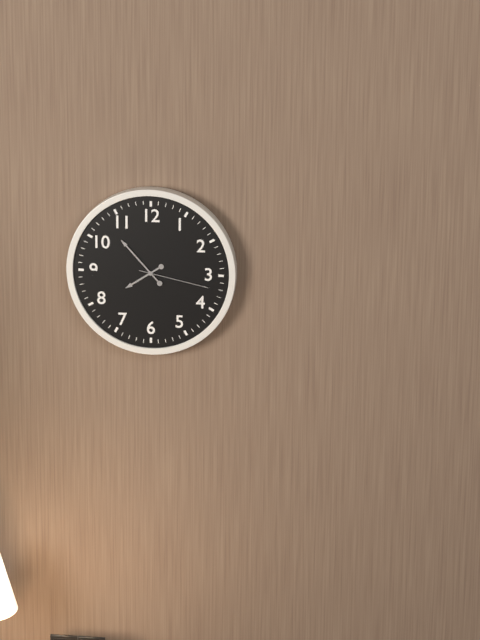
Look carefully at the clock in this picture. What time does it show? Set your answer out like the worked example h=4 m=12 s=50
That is h=7 m=53 s=17
